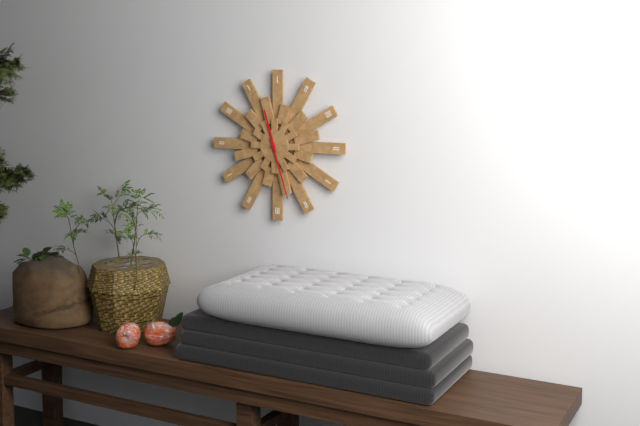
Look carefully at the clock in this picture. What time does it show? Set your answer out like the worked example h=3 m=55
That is h=11 m=27
